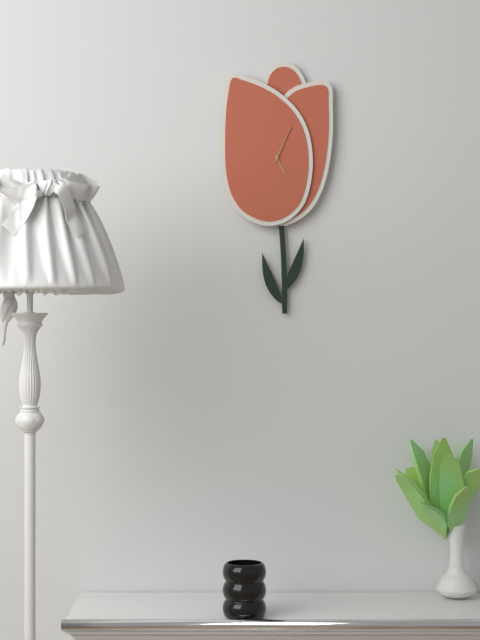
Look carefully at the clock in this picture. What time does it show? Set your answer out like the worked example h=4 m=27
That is h=5 m=4
